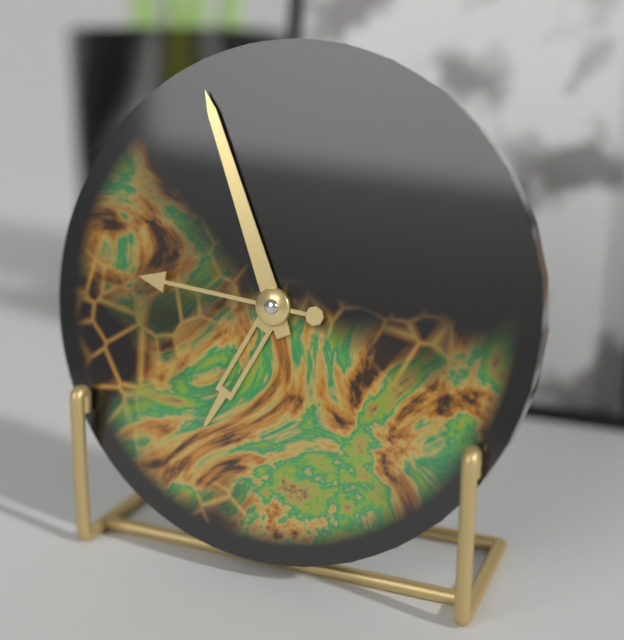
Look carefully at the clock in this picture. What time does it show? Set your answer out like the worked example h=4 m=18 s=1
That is h=6 m=56 s=46
